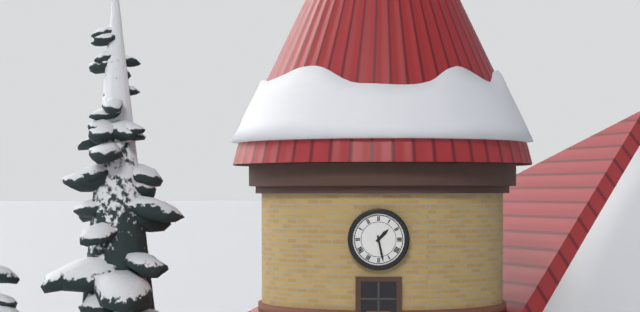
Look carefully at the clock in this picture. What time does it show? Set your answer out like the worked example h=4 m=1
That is h=1 m=28
